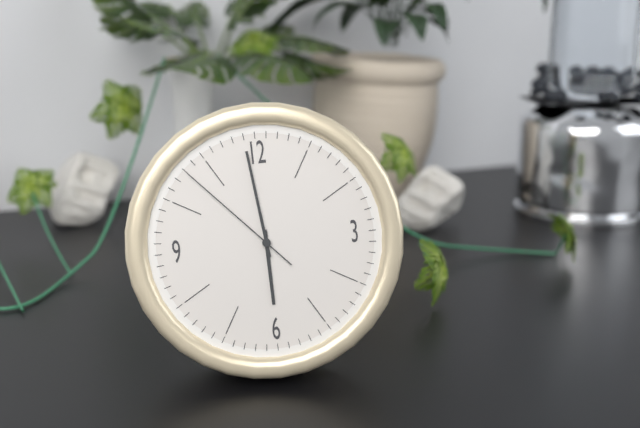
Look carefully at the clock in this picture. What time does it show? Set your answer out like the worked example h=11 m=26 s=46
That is h=5 m=59 s=53
